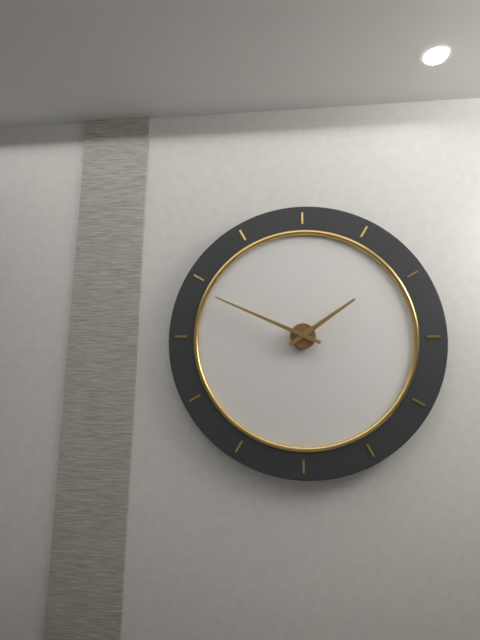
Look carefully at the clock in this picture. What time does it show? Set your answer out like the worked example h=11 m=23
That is h=1 m=49
